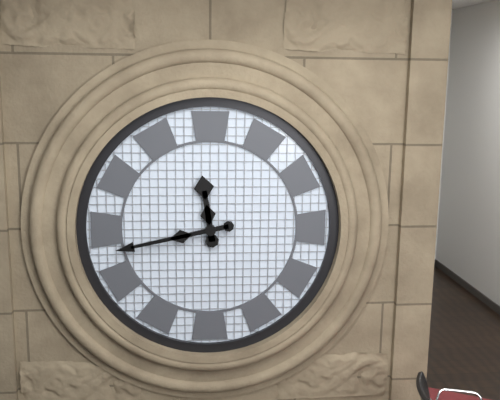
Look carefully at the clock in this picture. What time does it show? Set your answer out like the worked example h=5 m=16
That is h=11 m=43
